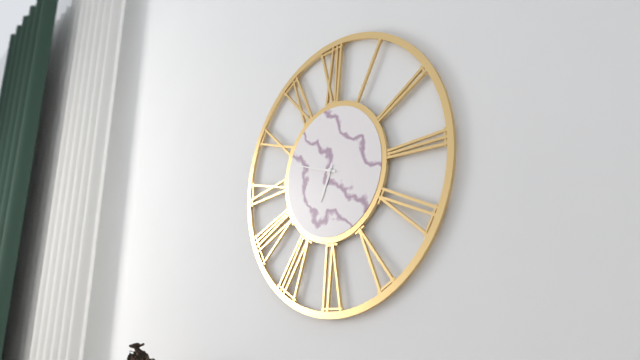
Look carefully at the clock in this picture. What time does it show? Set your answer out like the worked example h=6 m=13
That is h=6 m=48
